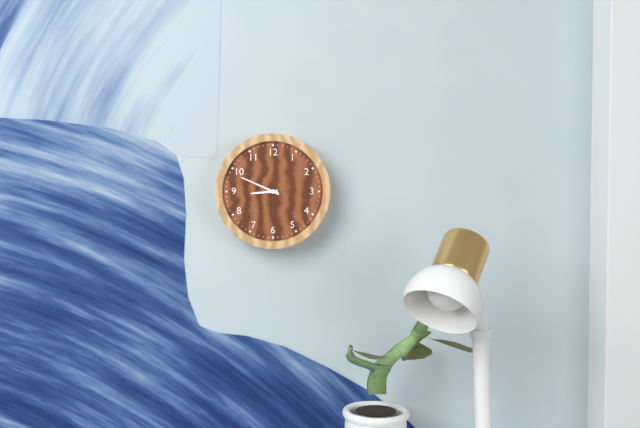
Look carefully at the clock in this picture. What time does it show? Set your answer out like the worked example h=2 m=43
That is h=8 m=49
